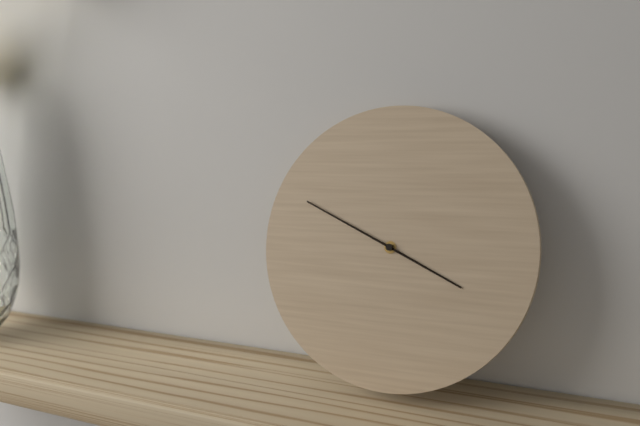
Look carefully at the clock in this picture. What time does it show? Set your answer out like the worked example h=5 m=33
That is h=3 m=49
